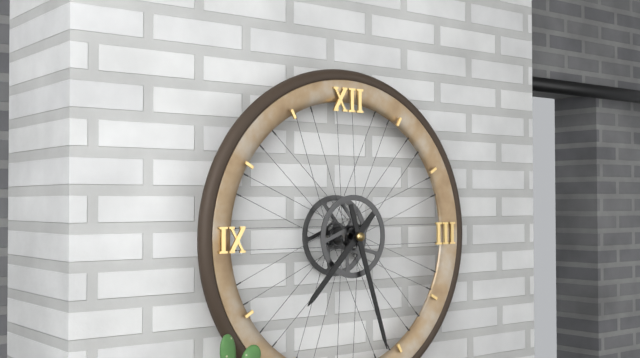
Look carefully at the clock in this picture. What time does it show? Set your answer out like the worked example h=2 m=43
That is h=7 m=27
